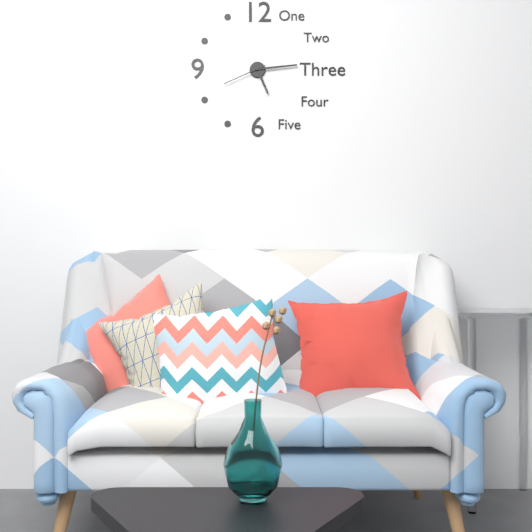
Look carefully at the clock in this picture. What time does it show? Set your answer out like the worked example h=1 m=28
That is h=5 m=14
